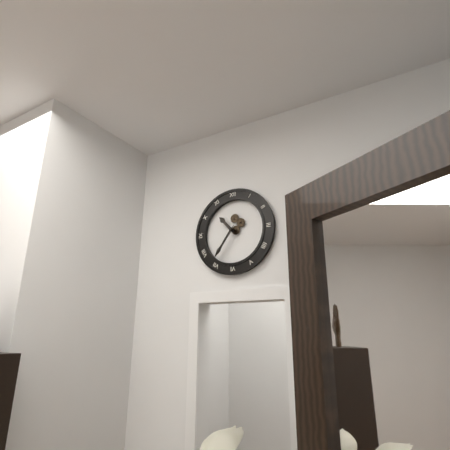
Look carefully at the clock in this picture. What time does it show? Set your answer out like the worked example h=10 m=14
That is h=10 m=36
